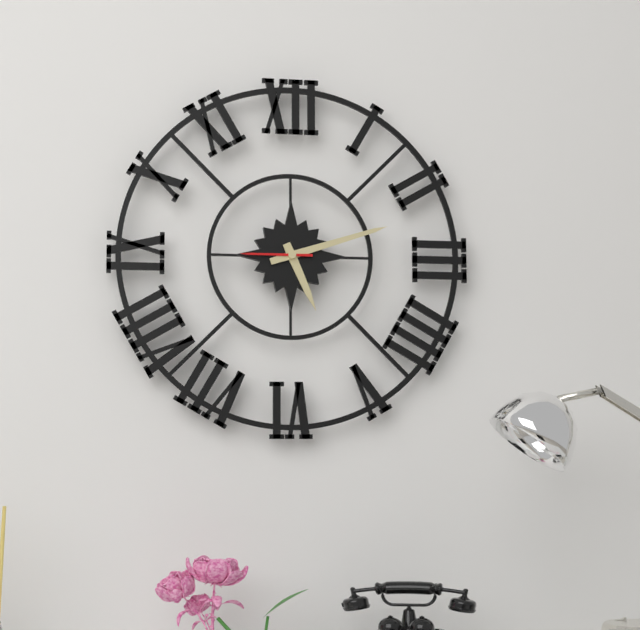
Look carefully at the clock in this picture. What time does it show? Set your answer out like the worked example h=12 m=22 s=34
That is h=5 m=12 s=45
